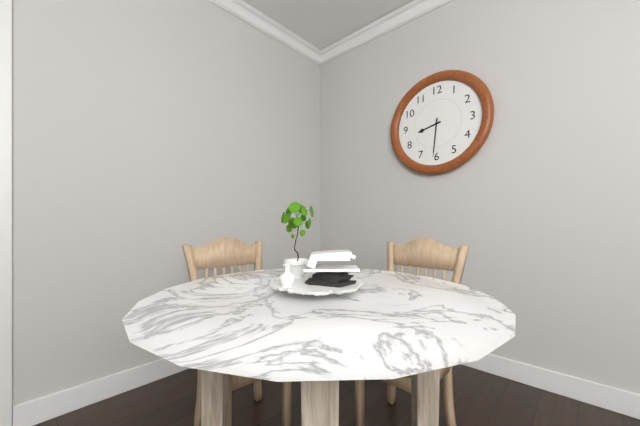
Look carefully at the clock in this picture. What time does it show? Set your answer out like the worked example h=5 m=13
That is h=8 m=31
